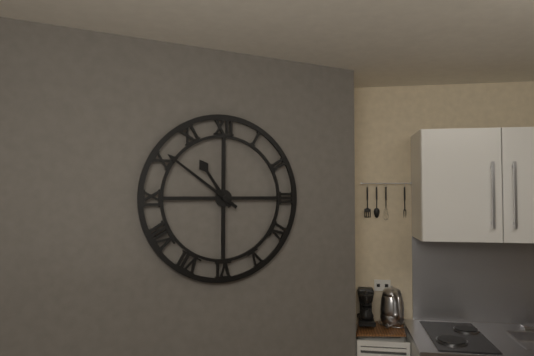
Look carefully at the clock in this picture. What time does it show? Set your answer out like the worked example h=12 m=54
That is h=10 m=51
